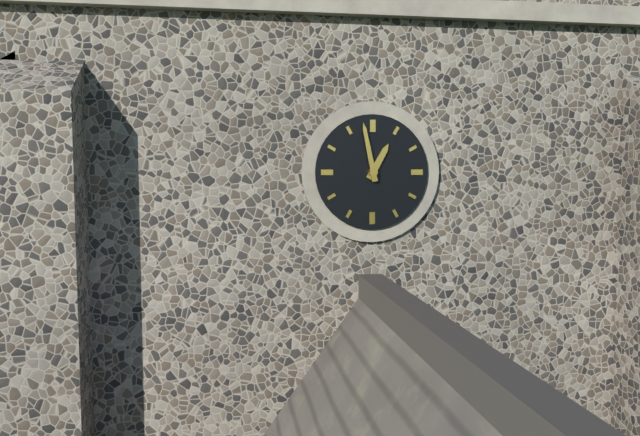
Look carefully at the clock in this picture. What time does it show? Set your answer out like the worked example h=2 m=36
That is h=12 m=58
